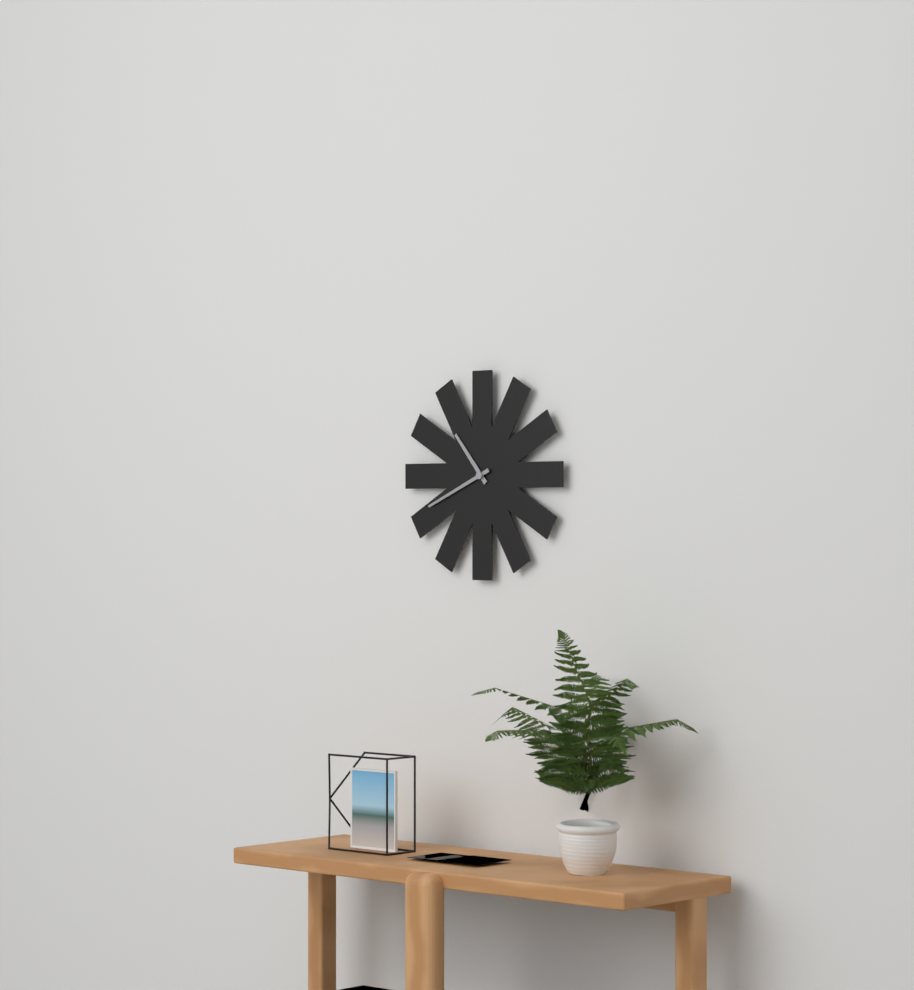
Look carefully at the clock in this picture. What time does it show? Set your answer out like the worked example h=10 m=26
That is h=10 m=41
